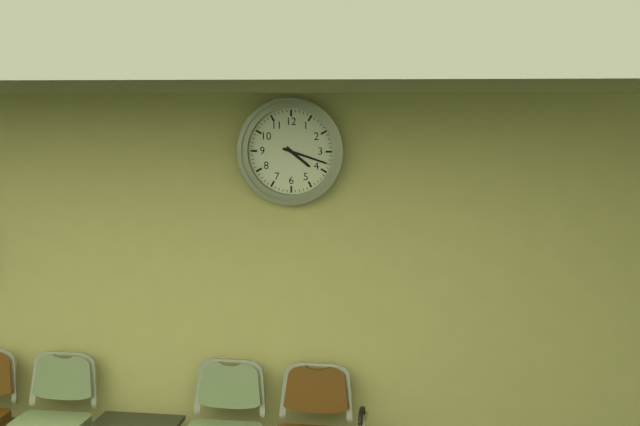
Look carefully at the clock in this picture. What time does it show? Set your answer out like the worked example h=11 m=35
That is h=4 m=18
